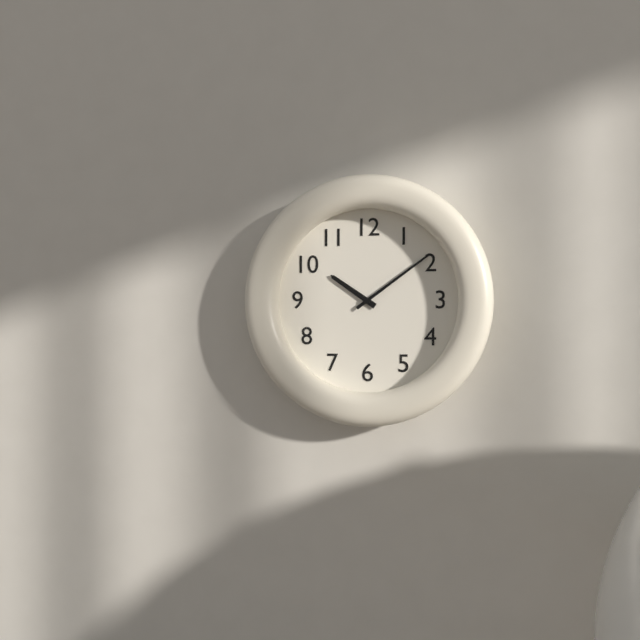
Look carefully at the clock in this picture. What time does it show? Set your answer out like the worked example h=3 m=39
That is h=10 m=9
